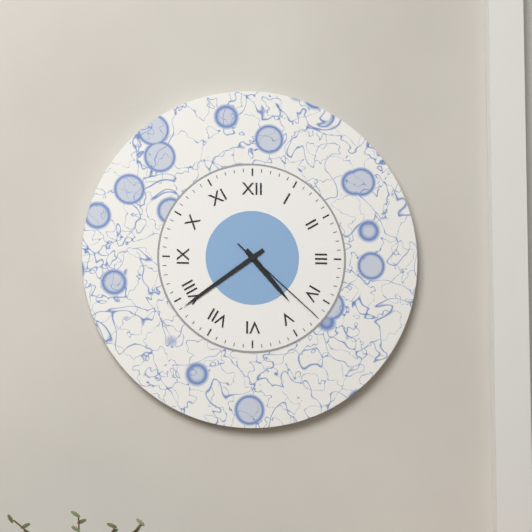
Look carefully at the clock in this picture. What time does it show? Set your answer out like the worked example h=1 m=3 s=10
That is h=4 m=39 s=22
